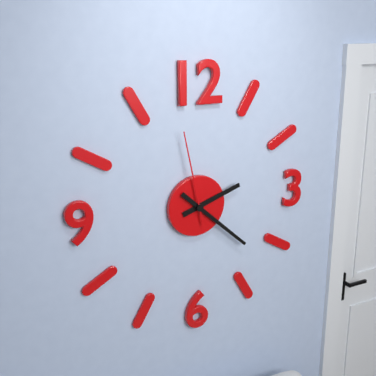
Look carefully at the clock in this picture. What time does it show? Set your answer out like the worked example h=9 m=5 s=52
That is h=2 m=22 s=58
